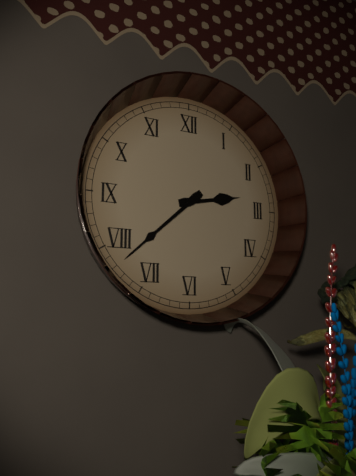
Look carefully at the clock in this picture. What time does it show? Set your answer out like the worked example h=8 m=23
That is h=2 m=38
